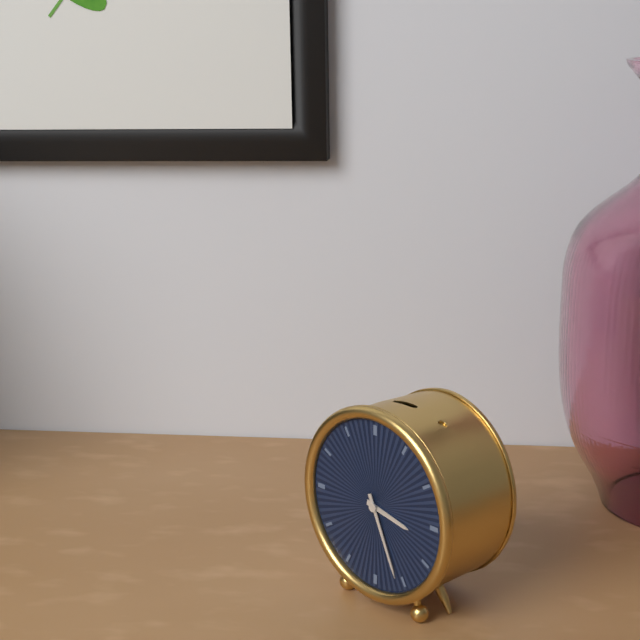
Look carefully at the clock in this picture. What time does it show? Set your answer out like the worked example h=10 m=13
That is h=3 m=26
